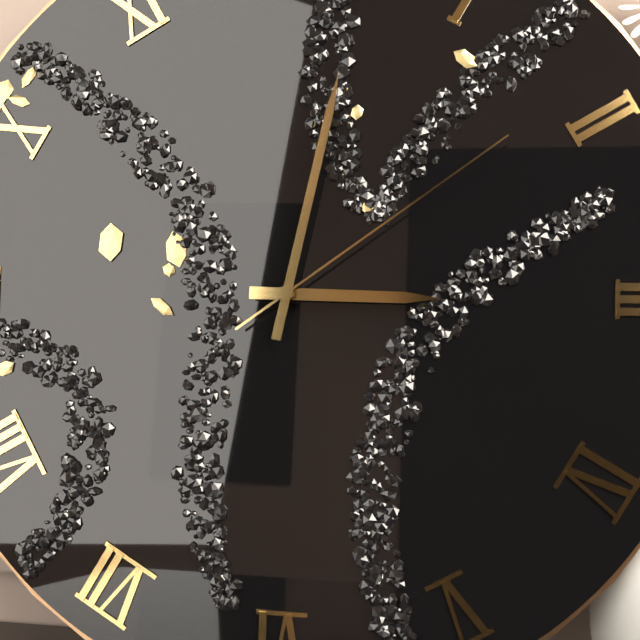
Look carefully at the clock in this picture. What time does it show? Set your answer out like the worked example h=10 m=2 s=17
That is h=3 m=2 s=9
